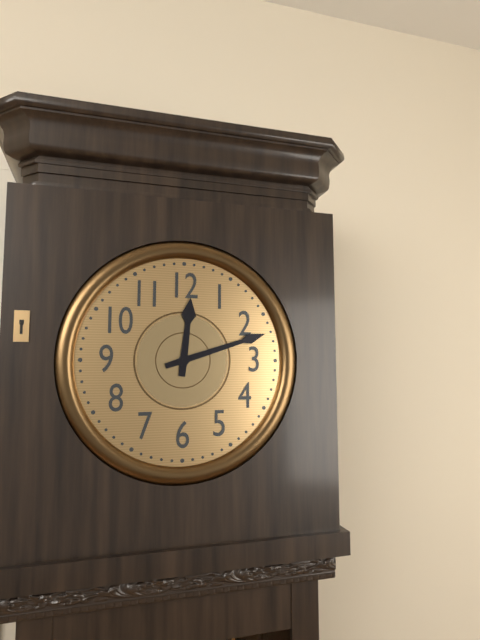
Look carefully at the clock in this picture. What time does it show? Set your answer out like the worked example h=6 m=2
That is h=12 m=12
